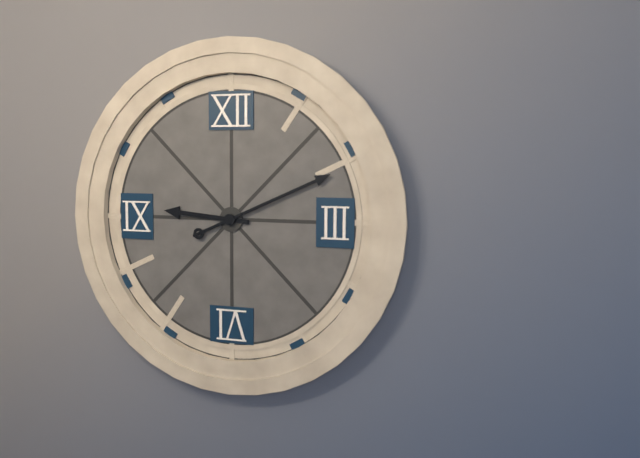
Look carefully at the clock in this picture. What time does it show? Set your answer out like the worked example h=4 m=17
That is h=9 m=11
